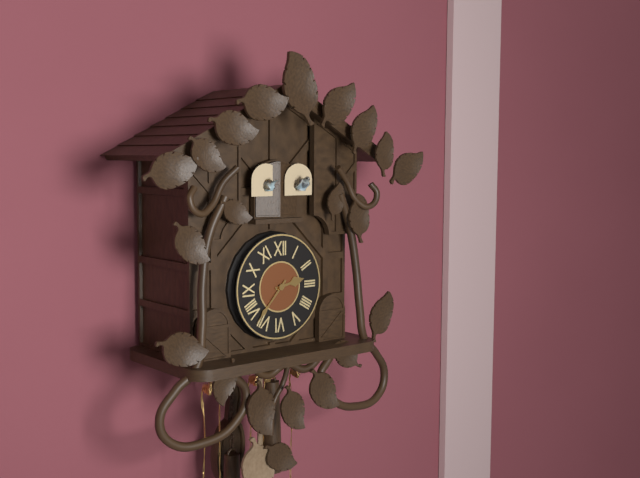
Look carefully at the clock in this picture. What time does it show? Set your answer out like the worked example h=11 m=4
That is h=2 m=37
